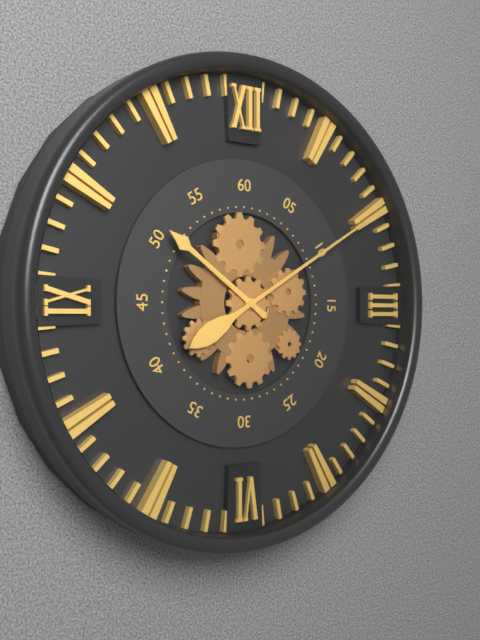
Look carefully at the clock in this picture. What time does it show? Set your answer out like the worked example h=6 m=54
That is h=10 m=10
